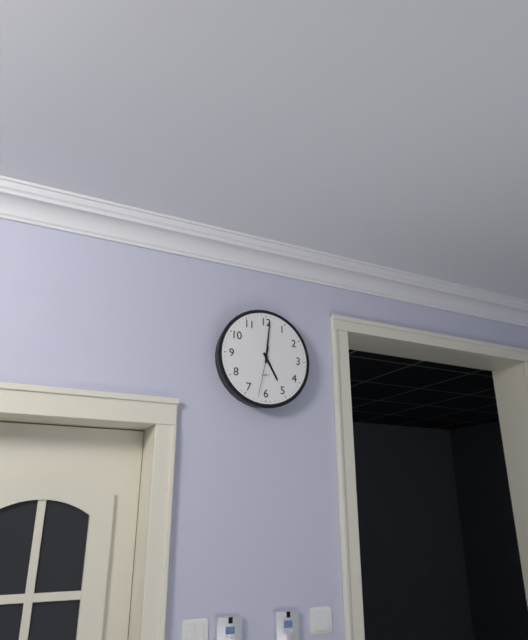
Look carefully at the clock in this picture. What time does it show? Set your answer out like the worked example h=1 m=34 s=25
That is h=5 m=1 s=32
